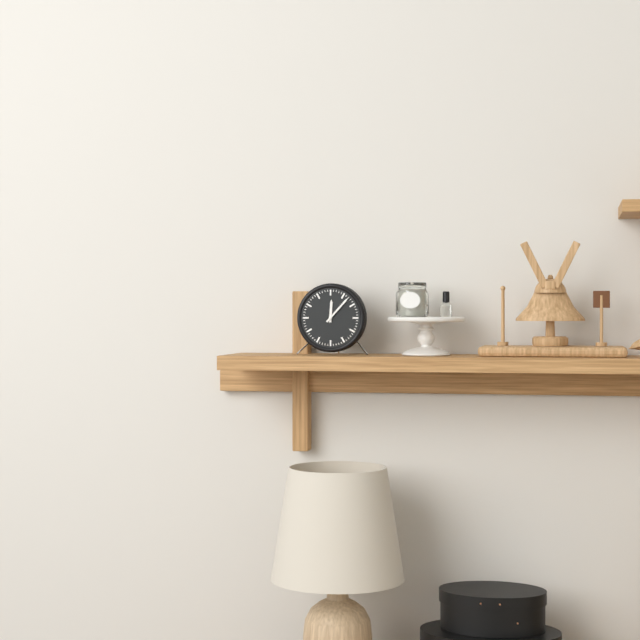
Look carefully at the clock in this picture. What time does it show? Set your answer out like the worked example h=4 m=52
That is h=12 m=7
